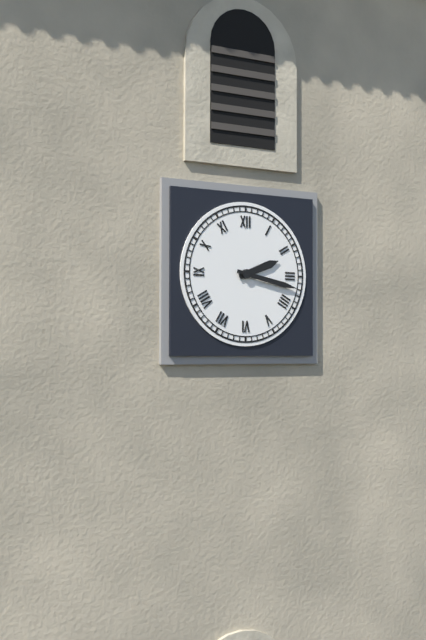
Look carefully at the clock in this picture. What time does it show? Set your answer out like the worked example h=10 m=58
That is h=2 m=17
